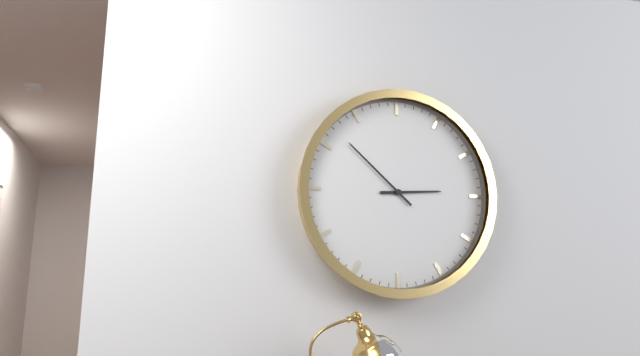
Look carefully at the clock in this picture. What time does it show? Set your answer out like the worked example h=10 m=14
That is h=2 m=52
